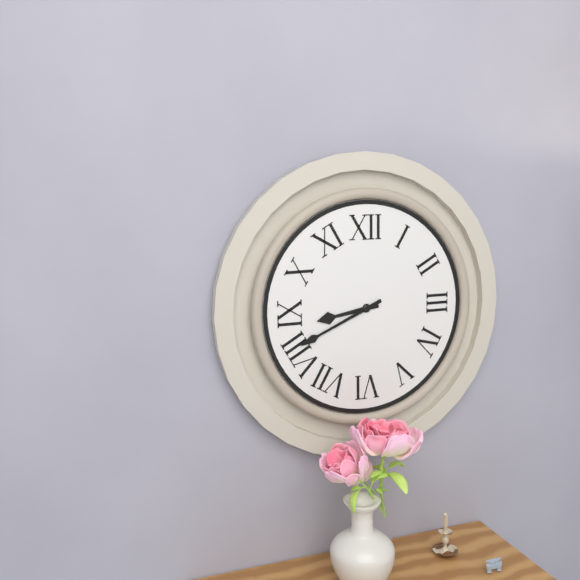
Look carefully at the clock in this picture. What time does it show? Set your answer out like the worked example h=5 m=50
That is h=8 m=41
